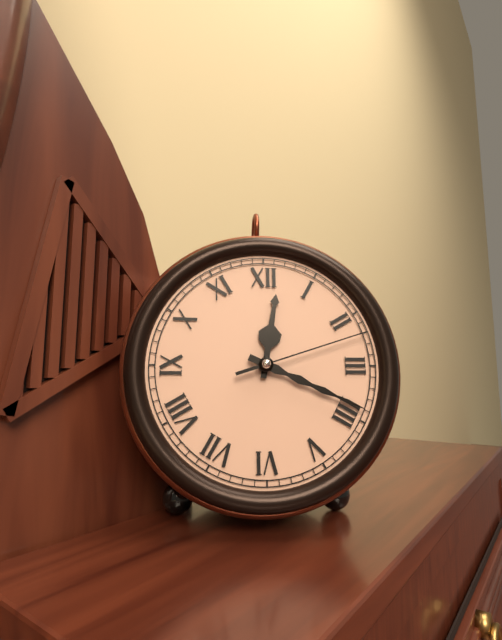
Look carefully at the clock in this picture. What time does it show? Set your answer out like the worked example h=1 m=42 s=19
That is h=12 m=19 s=12
